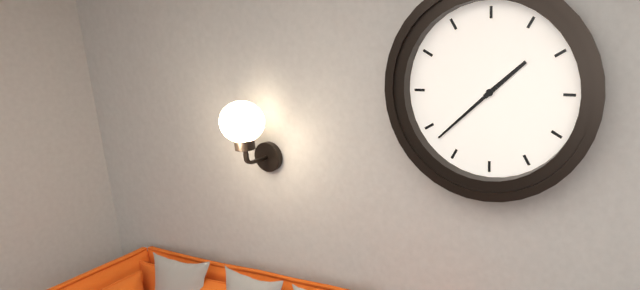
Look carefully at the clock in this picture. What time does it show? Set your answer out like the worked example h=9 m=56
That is h=1 m=38
